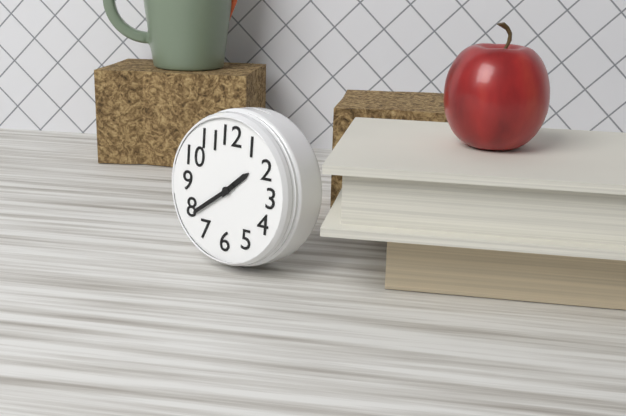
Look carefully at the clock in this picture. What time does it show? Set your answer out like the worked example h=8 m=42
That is h=1 m=39
